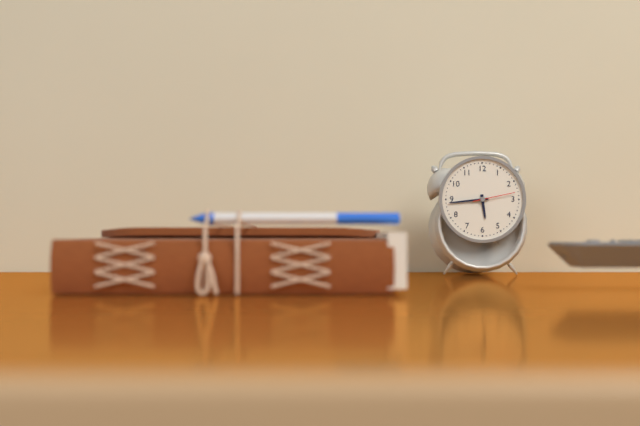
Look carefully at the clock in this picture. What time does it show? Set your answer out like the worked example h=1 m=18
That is h=5 m=44
